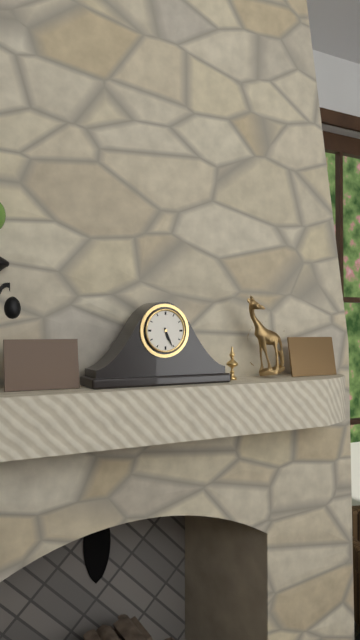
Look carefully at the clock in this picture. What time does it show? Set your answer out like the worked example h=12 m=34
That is h=5 m=26
